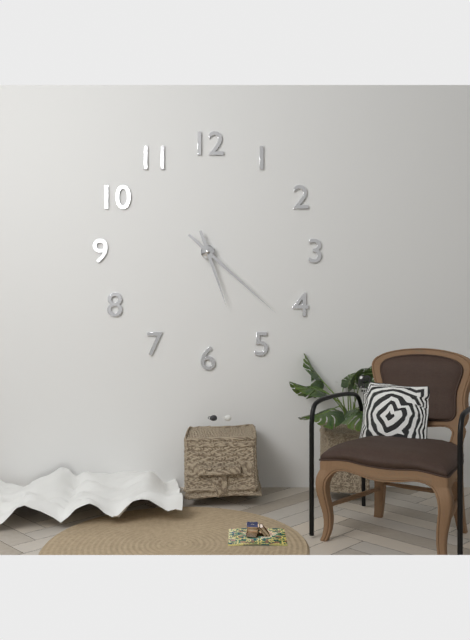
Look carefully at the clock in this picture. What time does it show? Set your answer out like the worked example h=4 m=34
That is h=5 m=22
